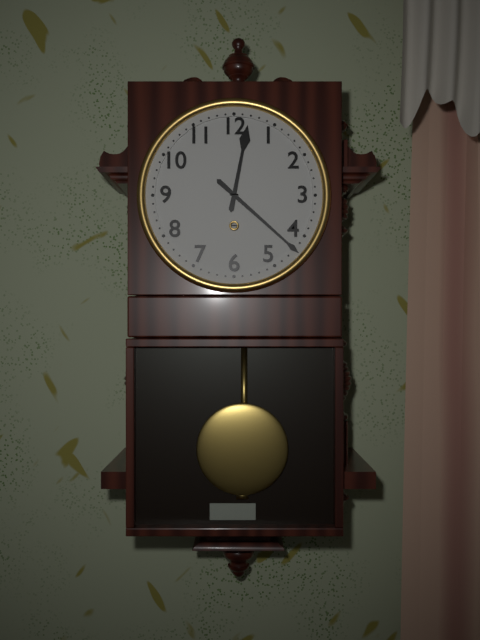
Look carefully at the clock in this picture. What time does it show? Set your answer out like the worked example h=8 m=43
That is h=12 m=22
